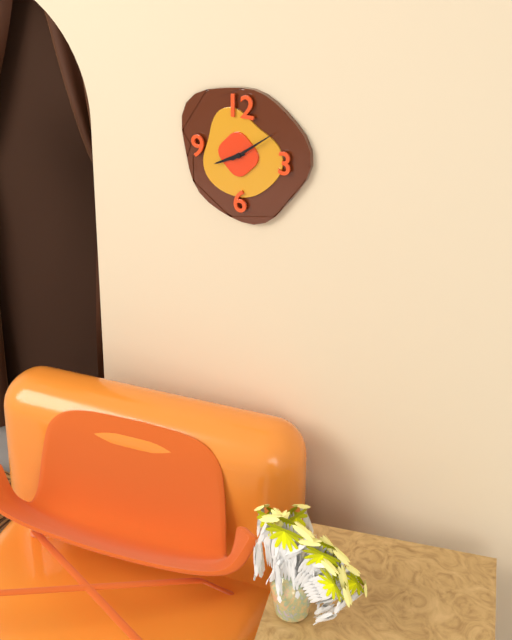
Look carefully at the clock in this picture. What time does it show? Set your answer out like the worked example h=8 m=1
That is h=8 m=9
